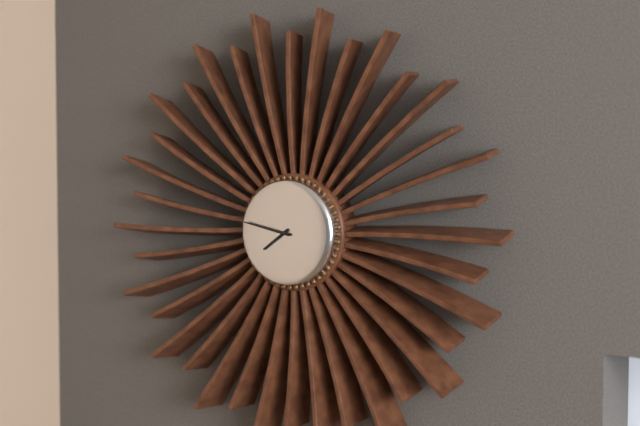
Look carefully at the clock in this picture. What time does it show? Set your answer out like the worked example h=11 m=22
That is h=7 m=47
